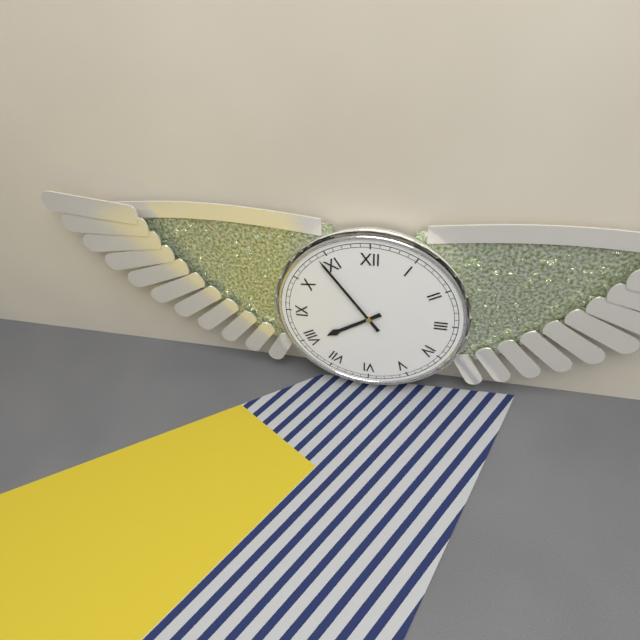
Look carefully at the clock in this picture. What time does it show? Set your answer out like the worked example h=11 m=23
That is h=7 m=54
